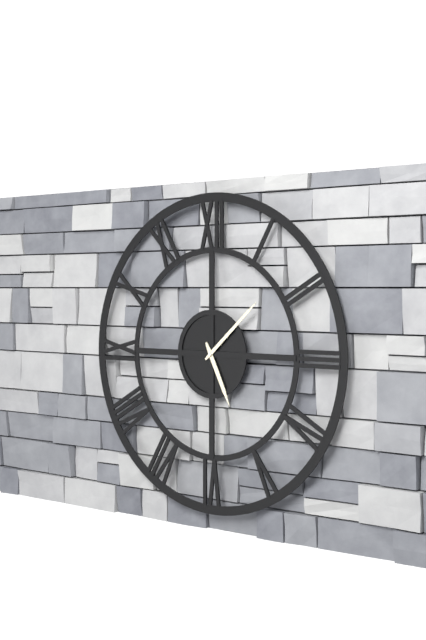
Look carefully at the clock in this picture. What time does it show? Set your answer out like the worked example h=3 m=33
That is h=5 m=8
